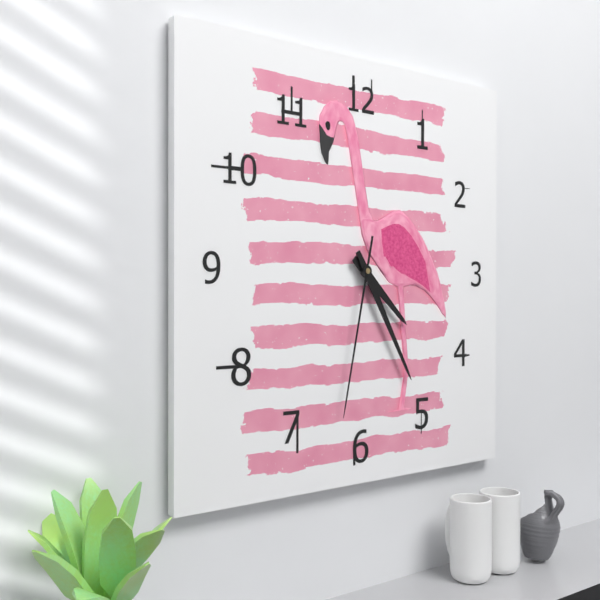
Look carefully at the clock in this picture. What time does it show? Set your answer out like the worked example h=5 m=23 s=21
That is h=4 m=25 s=32
